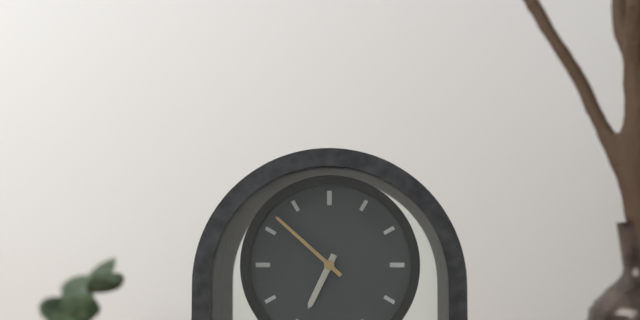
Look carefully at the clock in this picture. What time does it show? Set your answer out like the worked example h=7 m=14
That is h=6 m=52
